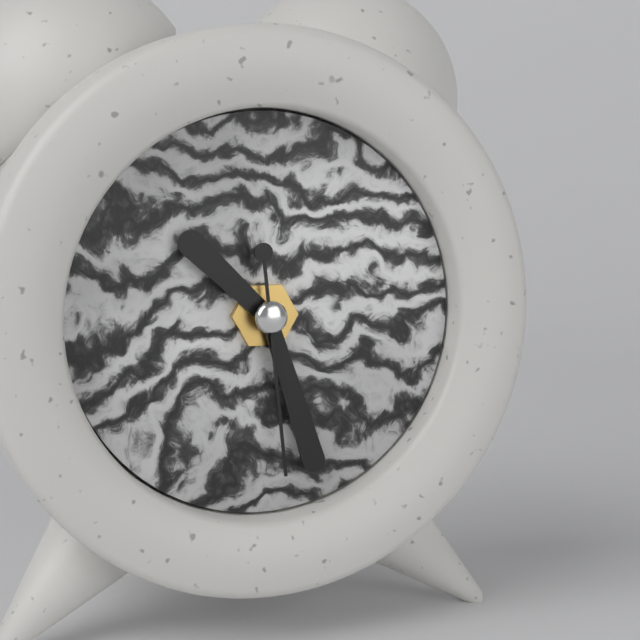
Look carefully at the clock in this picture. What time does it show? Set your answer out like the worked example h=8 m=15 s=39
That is h=10 m=27 s=29
